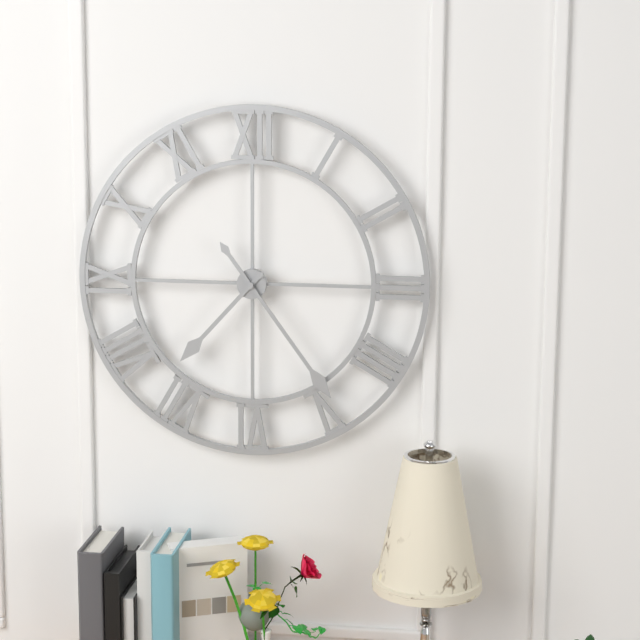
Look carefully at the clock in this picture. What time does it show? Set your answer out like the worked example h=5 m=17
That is h=7 m=24
